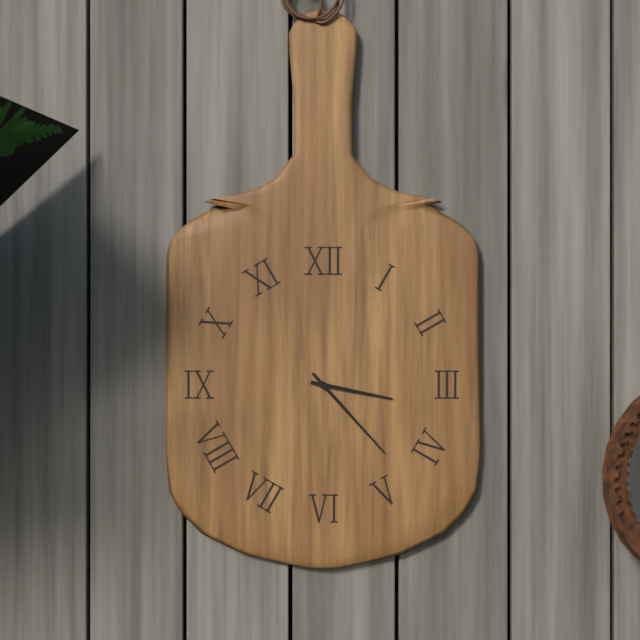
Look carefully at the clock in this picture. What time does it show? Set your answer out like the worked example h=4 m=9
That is h=3 m=23
